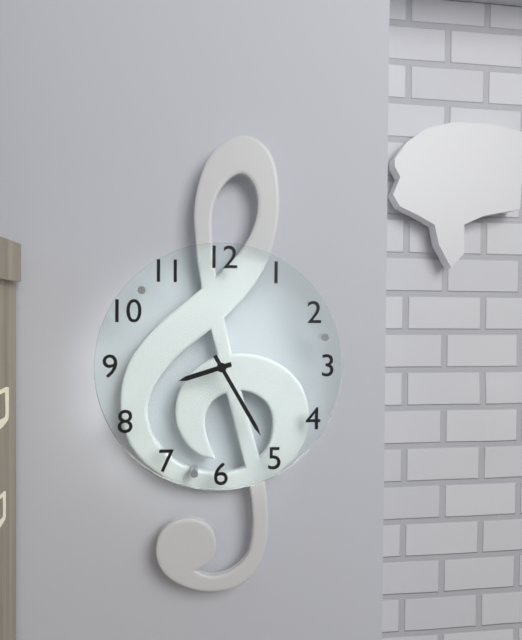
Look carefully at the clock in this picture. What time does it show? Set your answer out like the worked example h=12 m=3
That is h=8 m=25
